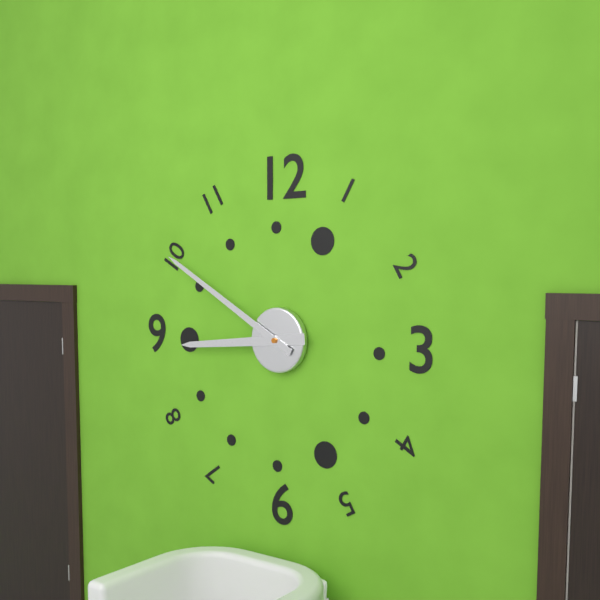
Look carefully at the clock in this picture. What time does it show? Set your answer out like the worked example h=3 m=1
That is h=8 m=50
